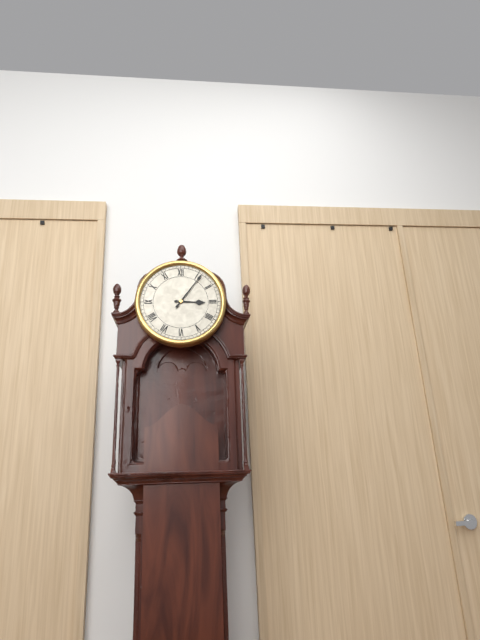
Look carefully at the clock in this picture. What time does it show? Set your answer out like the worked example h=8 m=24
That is h=3 m=6
